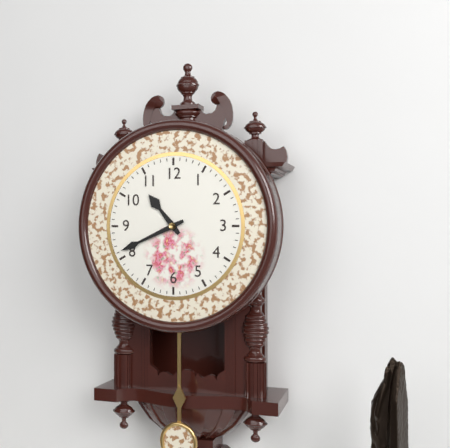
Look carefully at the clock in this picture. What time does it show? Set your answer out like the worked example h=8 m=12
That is h=10 m=41
